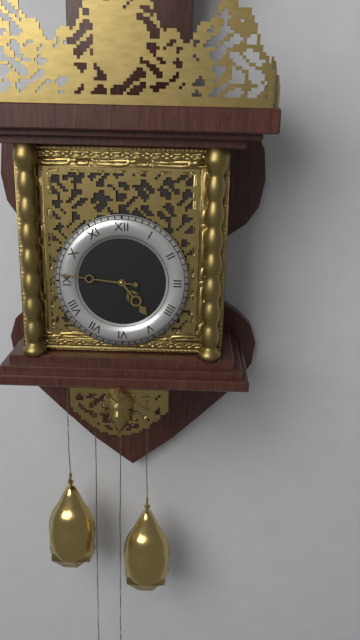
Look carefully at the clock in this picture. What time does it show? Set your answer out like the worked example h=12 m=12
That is h=4 m=46
